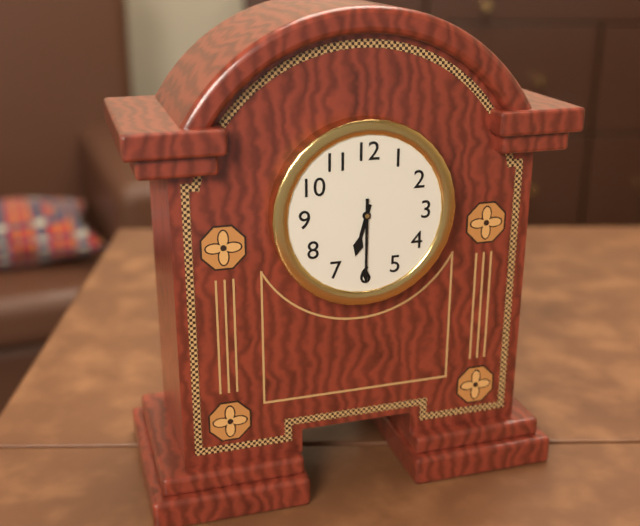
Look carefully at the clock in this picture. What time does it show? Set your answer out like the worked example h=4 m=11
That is h=6 m=30
